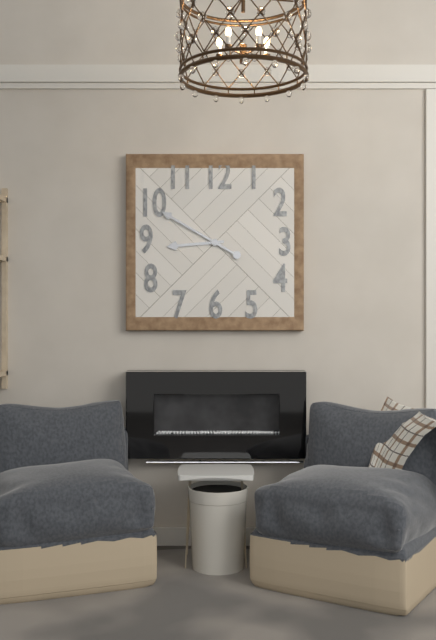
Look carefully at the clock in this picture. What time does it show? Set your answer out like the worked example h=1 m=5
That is h=8 m=50
